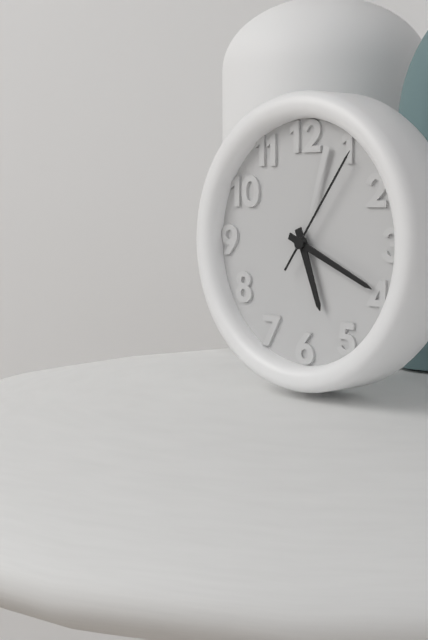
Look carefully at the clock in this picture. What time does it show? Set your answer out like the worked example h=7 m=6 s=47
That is h=5 m=19 s=6
